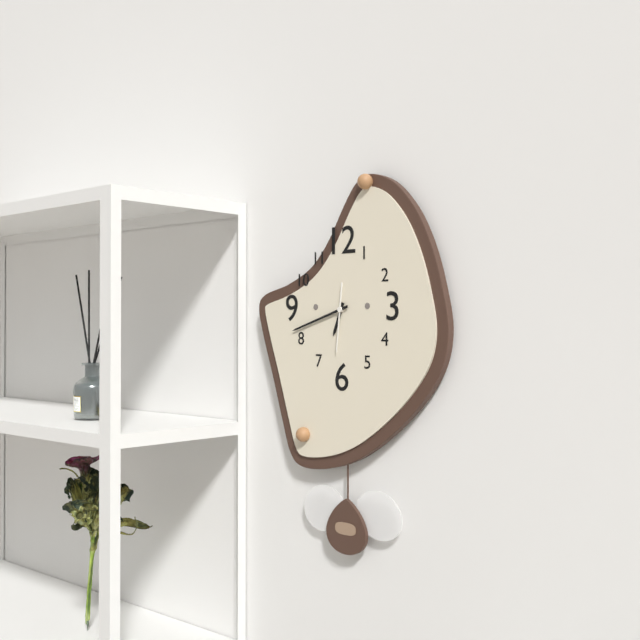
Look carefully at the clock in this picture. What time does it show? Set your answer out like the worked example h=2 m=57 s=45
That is h=6 m=42 s=31
